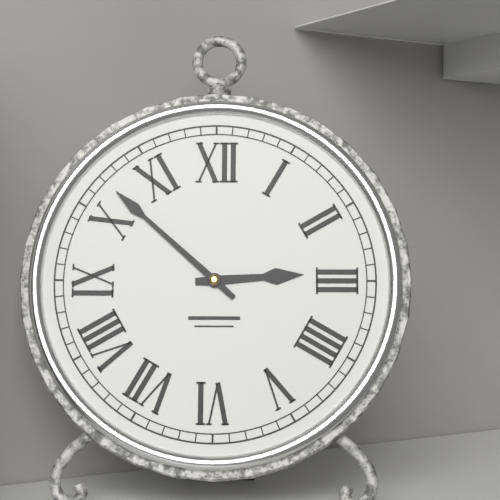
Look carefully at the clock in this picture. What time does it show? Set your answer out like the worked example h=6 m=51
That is h=2 m=52
